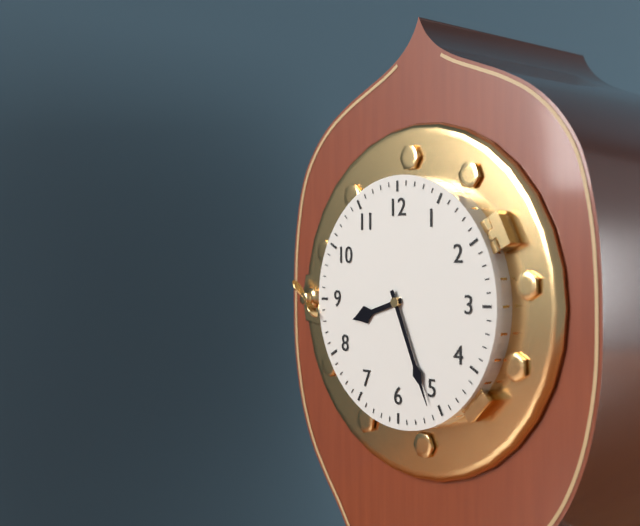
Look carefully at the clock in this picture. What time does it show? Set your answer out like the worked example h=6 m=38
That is h=8 m=26
